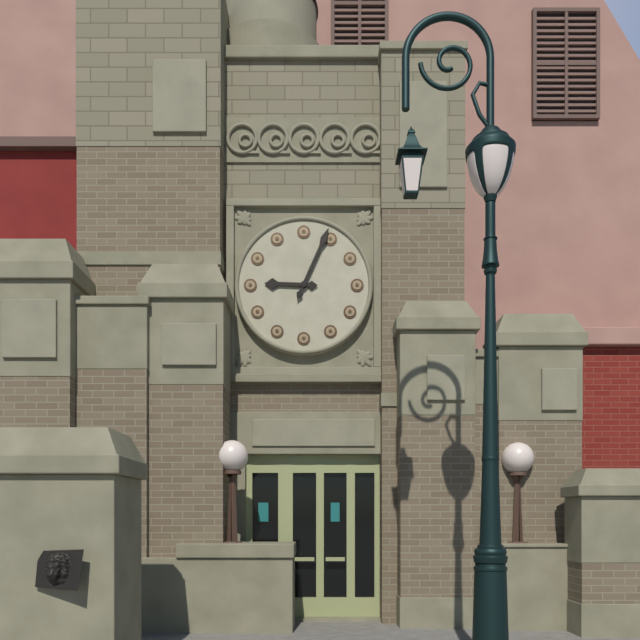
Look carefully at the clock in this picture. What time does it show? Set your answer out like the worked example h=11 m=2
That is h=9 m=4
